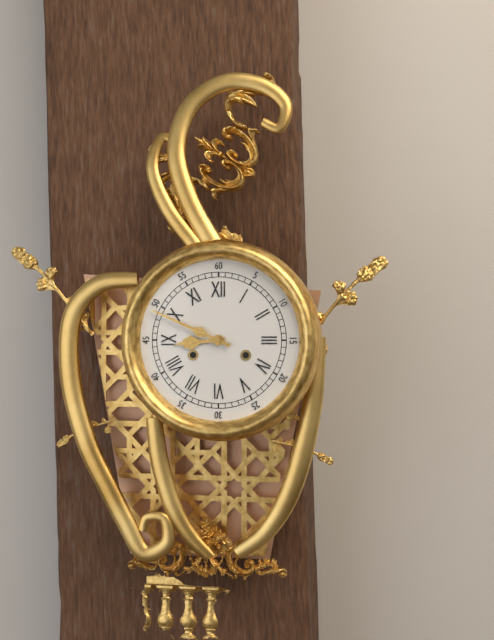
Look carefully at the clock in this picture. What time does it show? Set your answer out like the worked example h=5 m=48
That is h=8 m=49
